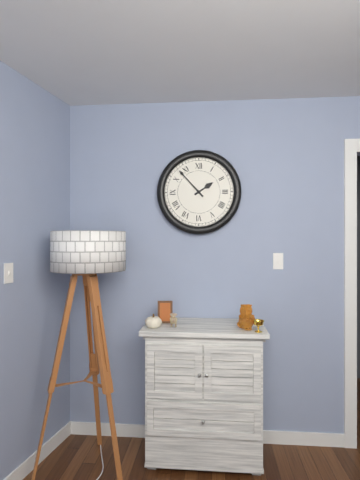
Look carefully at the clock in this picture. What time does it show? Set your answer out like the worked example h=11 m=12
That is h=1 m=53
